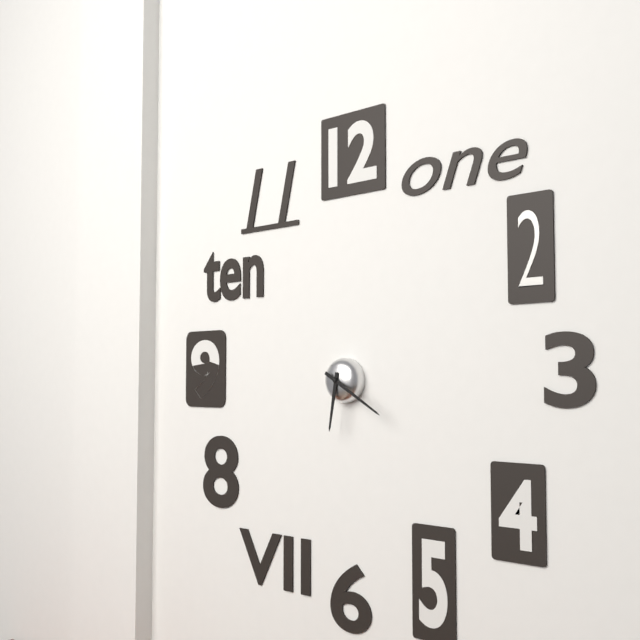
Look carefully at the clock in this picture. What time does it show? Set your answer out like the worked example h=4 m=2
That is h=6 m=20
